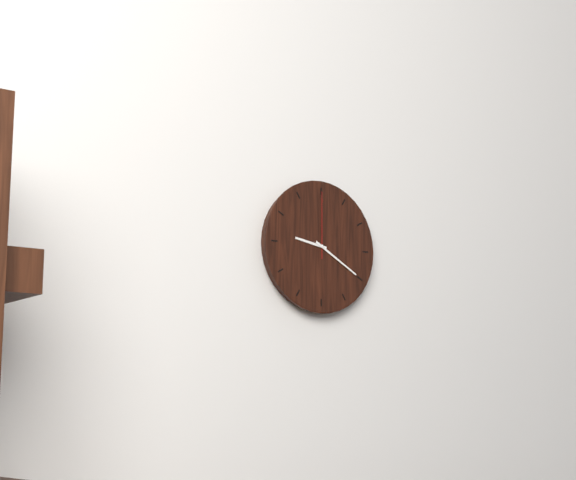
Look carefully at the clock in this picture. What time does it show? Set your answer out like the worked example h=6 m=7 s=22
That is h=9 m=20 s=0
